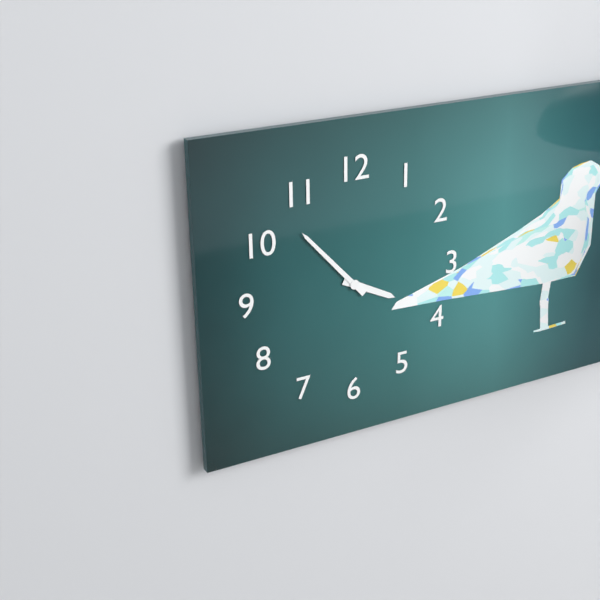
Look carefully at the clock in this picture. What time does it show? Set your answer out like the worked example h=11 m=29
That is h=3 m=53
